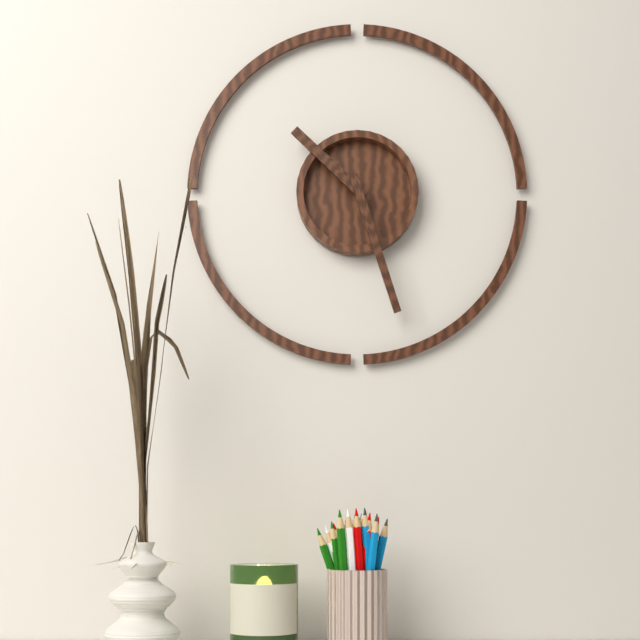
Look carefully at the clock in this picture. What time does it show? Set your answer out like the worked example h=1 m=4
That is h=10 m=27
